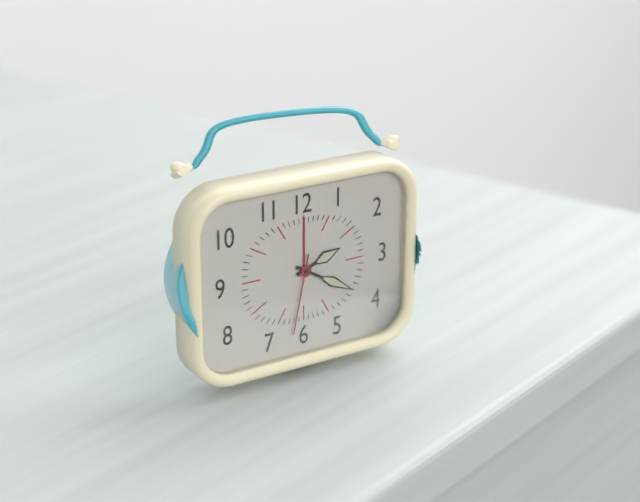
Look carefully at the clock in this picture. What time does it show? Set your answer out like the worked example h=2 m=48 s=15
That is h=2 m=20 s=32
